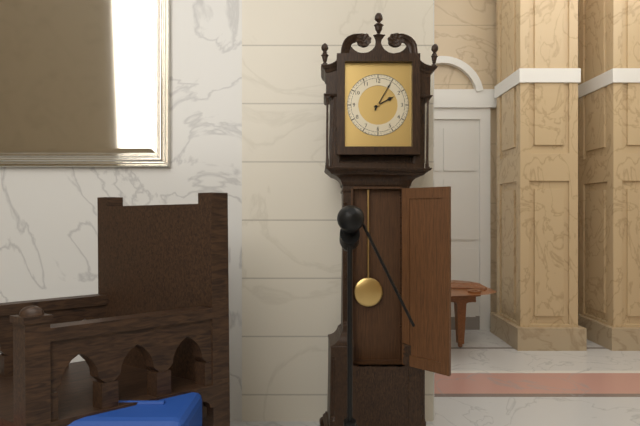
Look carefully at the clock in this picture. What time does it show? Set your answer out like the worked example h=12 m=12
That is h=2 m=5
